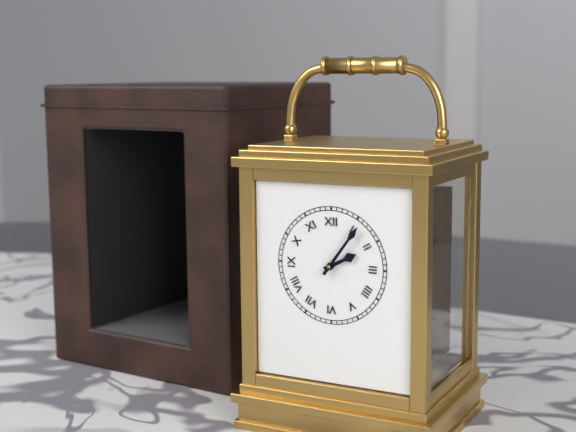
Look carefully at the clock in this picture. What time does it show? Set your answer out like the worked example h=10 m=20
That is h=2 m=6
